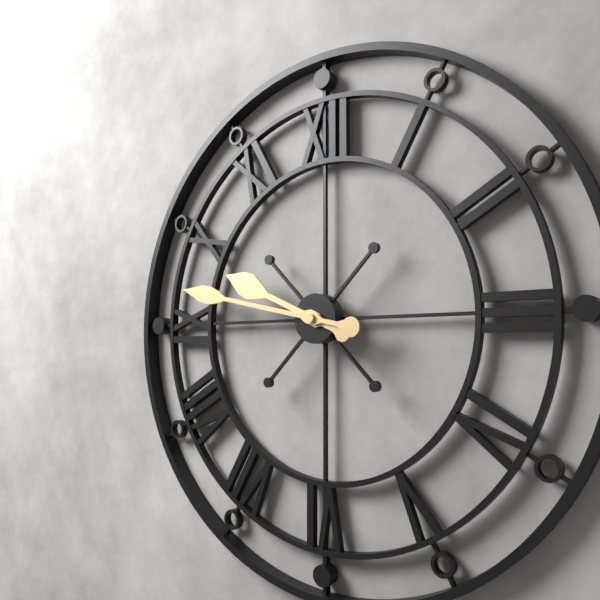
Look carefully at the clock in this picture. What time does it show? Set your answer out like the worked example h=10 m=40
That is h=9 m=47
